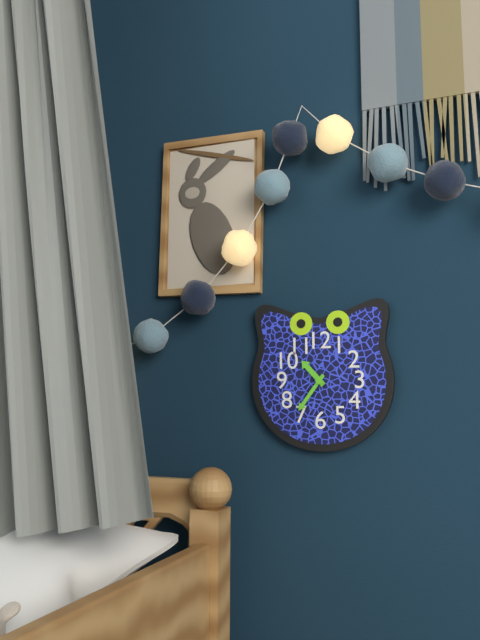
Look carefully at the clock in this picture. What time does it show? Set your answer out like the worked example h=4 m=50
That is h=10 m=36
